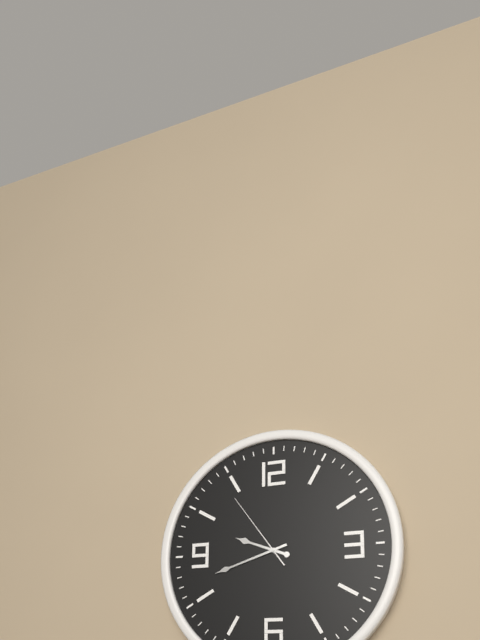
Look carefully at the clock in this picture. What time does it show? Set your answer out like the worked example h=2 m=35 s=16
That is h=9 m=42 s=54
